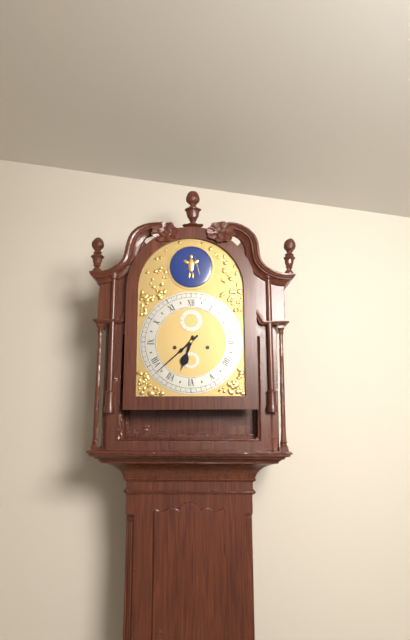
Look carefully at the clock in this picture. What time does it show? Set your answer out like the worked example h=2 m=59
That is h=6 m=38
